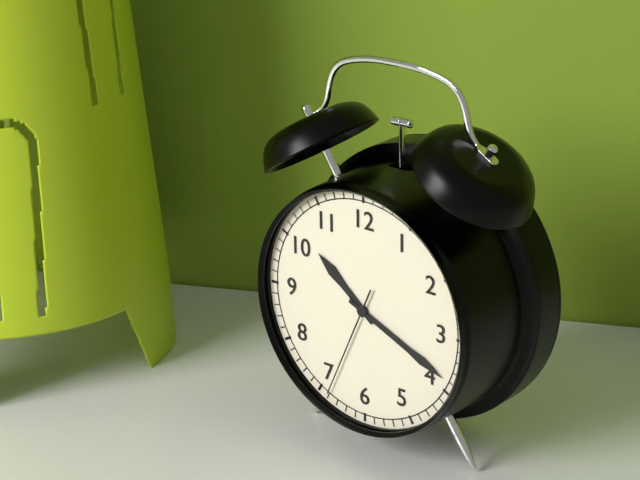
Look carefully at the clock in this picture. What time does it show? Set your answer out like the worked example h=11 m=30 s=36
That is h=10 m=19 s=34
